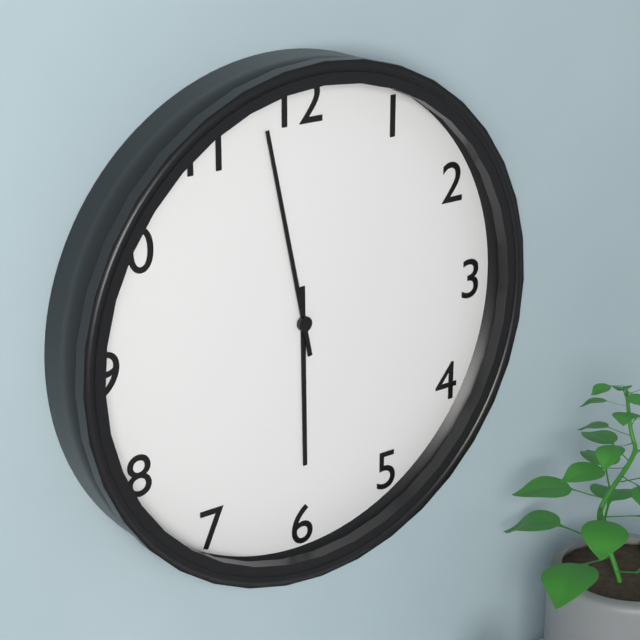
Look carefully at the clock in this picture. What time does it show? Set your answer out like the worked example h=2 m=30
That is h=5 m=58
